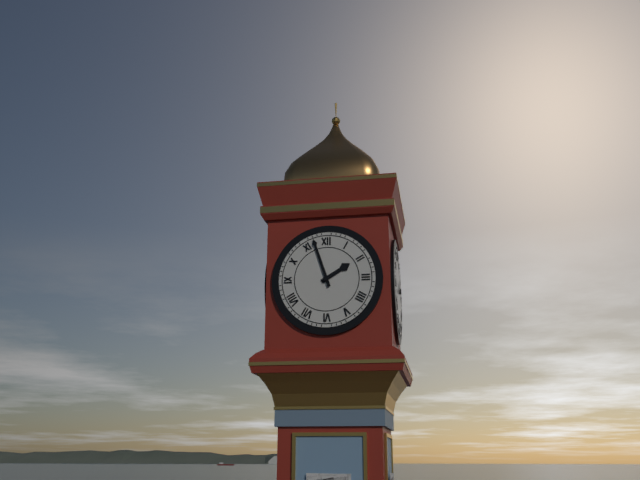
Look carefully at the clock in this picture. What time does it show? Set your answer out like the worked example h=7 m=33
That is h=1 m=57
